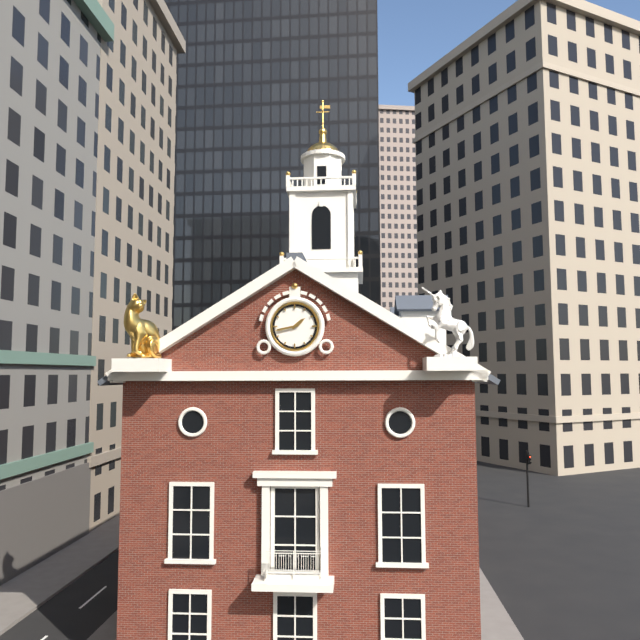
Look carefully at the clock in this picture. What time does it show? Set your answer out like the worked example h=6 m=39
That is h=1 m=43
